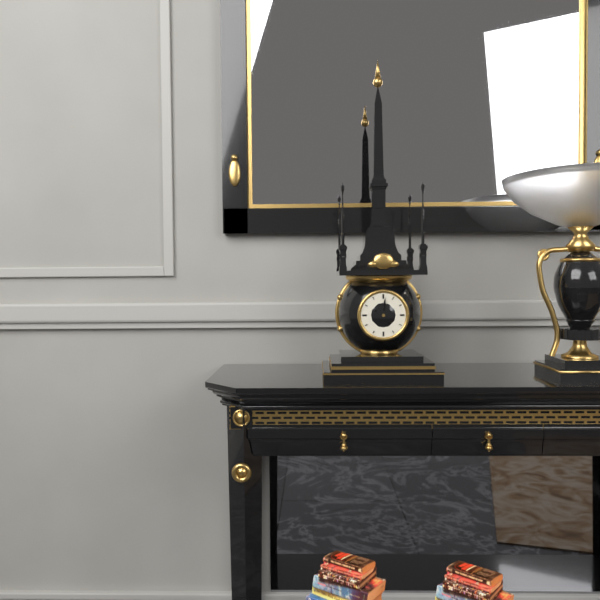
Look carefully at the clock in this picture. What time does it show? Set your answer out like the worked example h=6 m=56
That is h=10 m=1
